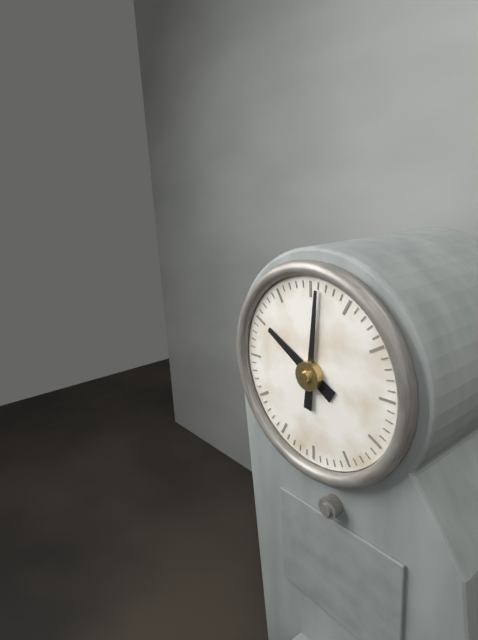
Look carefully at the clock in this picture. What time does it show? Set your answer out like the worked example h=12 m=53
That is h=10 m=1
